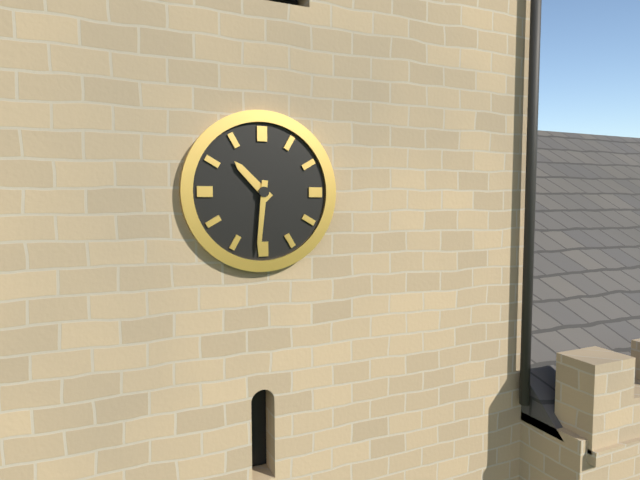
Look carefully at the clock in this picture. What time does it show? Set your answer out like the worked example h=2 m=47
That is h=10 m=31
